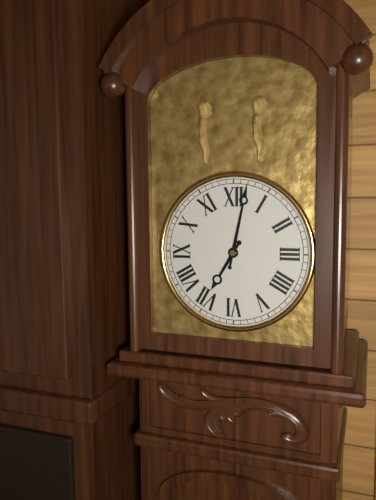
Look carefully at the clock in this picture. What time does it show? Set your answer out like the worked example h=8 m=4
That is h=7 m=2
